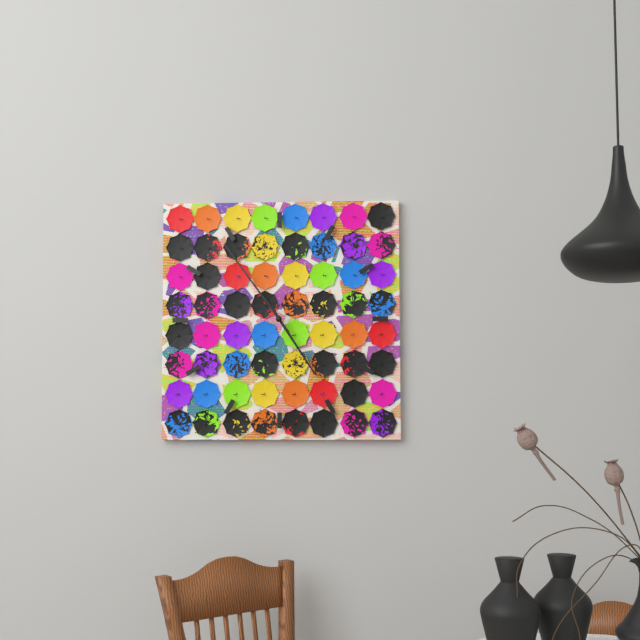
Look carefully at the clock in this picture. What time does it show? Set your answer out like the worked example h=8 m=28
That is h=4 m=54
